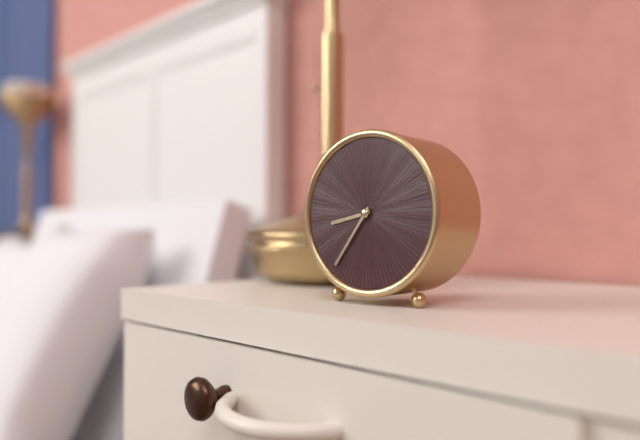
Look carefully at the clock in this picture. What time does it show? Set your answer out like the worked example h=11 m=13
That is h=8 m=36
